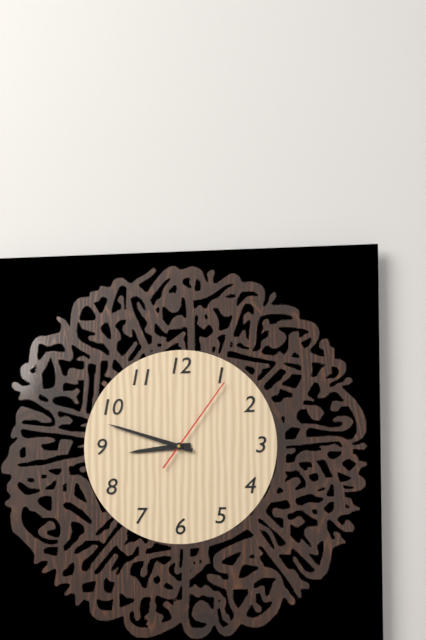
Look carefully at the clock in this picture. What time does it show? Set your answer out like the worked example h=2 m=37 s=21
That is h=8 m=48 s=6
